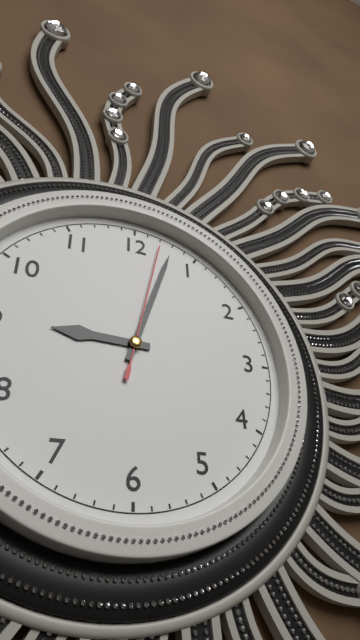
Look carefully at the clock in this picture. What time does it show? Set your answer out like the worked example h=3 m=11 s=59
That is h=9 m=3 s=2
